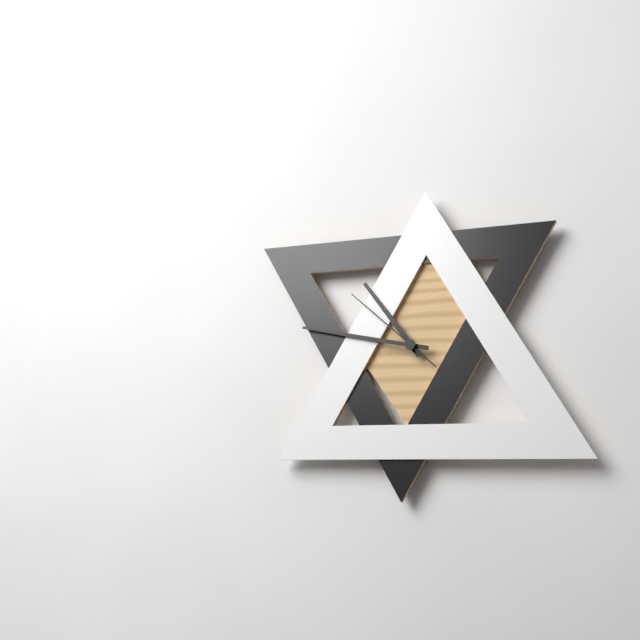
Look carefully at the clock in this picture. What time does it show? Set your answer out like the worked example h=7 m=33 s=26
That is h=10 m=47 s=52
